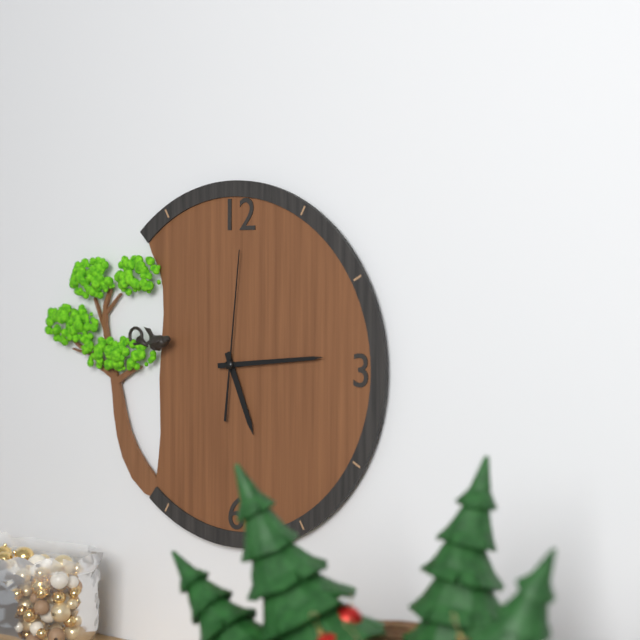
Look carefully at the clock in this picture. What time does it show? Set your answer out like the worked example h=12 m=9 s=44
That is h=5 m=14 s=1
